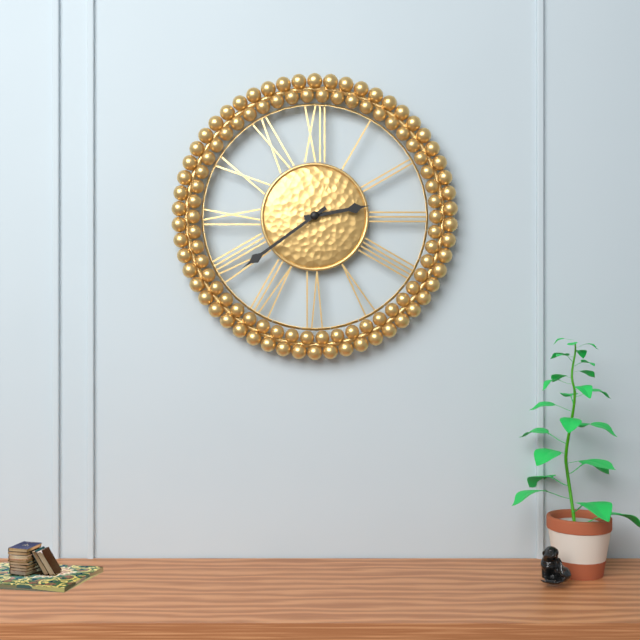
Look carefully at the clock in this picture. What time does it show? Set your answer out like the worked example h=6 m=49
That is h=2 m=39
